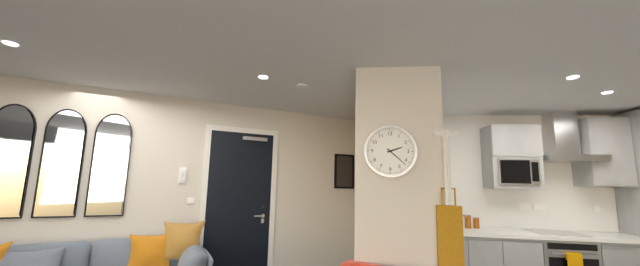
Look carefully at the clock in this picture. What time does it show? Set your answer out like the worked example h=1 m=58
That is h=2 m=22
